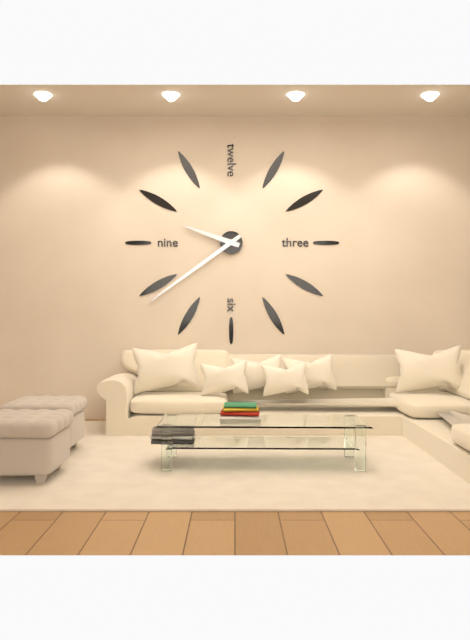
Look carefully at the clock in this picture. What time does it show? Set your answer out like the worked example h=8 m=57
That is h=9 m=39
